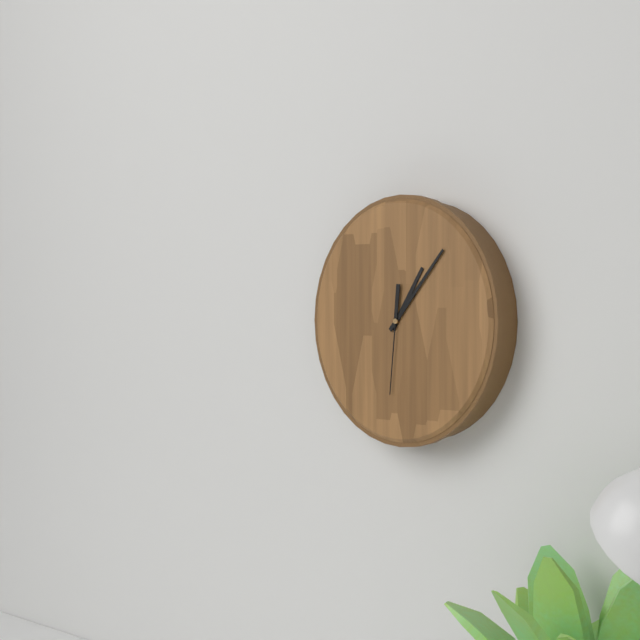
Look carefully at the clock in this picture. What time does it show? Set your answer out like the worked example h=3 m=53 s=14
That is h=1 m=7 s=31
